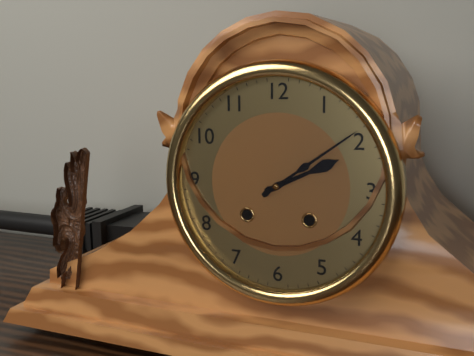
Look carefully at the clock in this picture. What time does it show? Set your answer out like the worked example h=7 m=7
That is h=2 m=9
